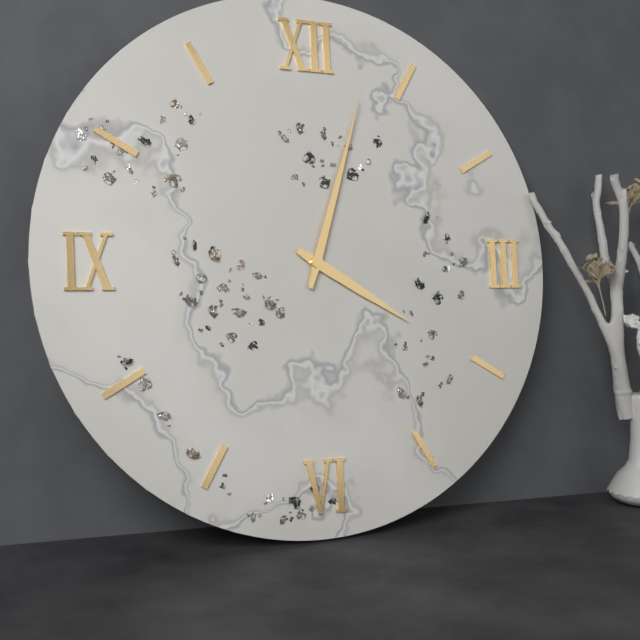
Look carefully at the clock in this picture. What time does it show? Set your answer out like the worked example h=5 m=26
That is h=4 m=3
